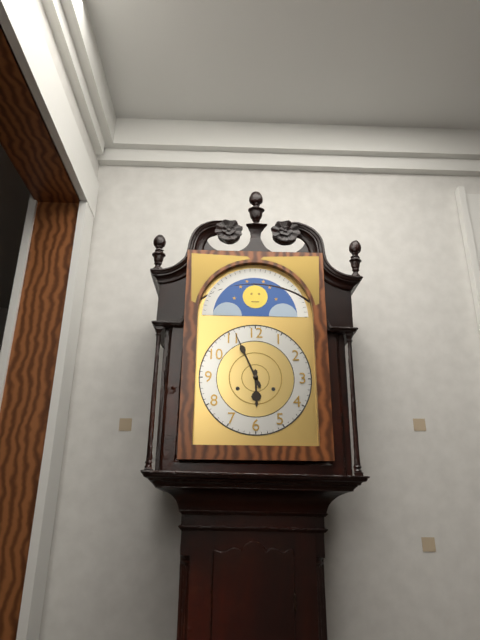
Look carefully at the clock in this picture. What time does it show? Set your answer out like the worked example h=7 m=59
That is h=5 m=56
